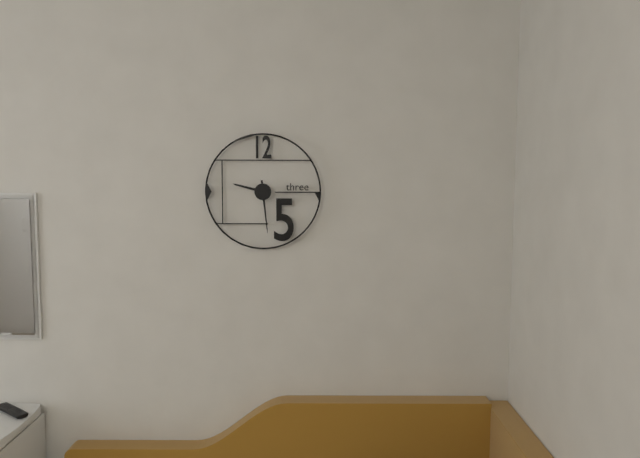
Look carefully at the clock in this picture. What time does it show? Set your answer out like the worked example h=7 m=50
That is h=9 m=29
